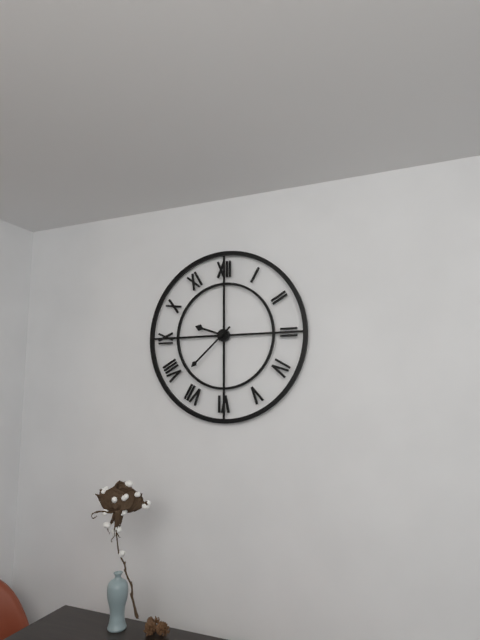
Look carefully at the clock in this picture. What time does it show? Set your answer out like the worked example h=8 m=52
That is h=9 m=38
